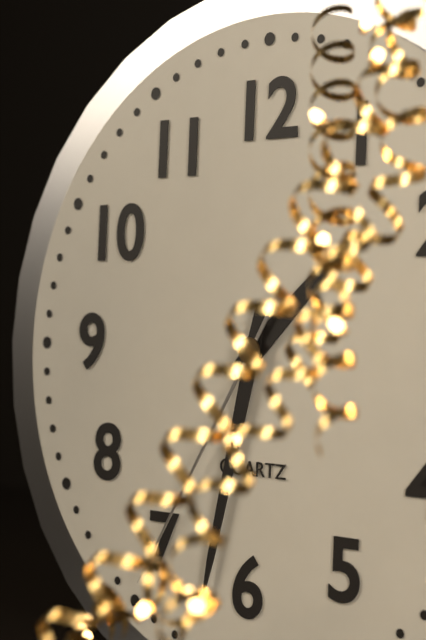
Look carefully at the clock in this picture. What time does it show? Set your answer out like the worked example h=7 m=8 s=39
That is h=1 m=32 s=35
